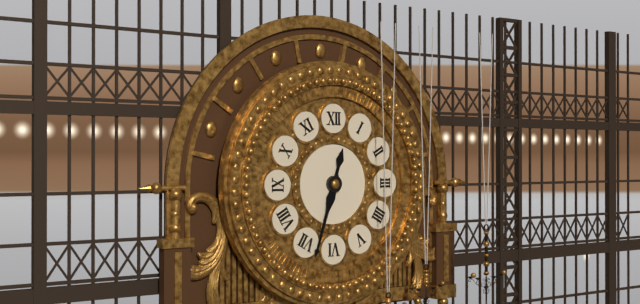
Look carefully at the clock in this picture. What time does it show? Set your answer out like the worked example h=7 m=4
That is h=12 m=33
